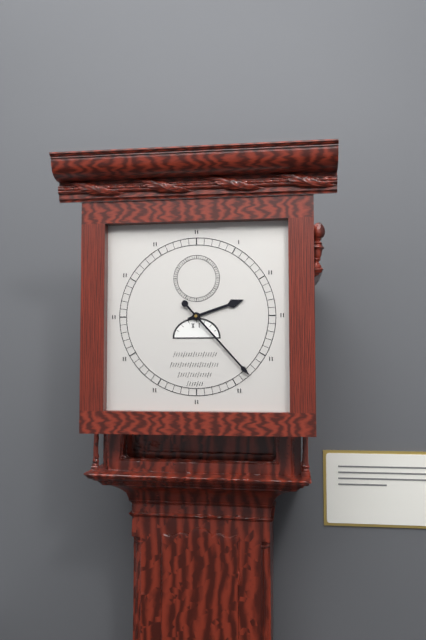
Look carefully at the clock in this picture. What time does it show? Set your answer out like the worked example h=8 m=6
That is h=2 m=23
